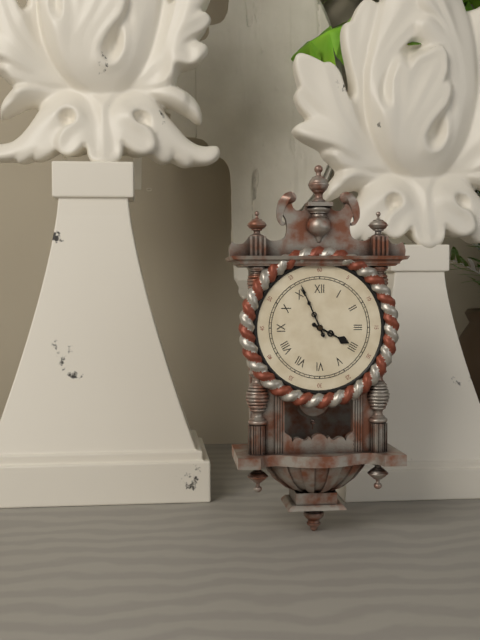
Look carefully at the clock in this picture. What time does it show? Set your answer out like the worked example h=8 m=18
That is h=3 m=56
